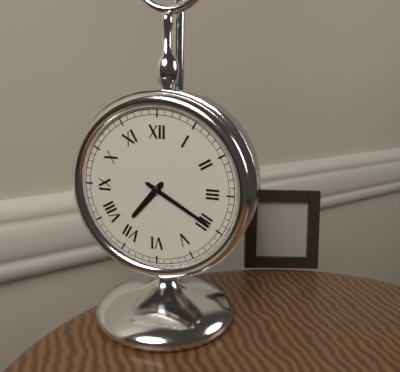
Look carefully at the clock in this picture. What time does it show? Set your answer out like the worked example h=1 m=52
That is h=7 m=20
